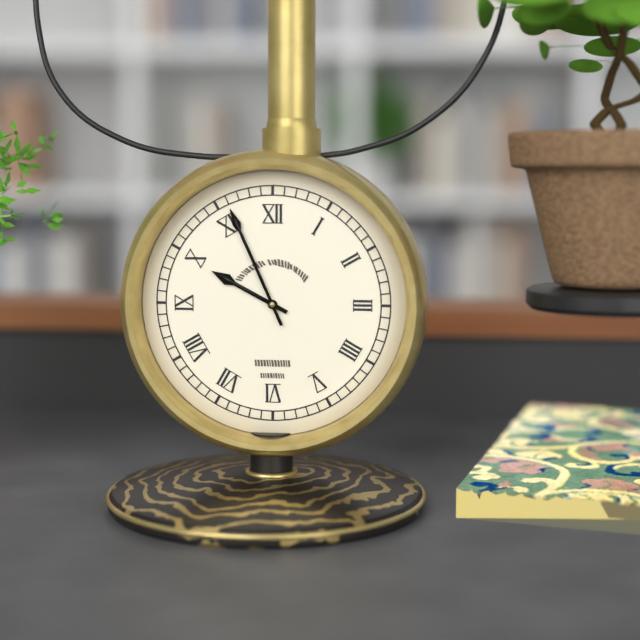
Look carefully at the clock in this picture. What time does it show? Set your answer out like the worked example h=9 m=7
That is h=9 m=56
